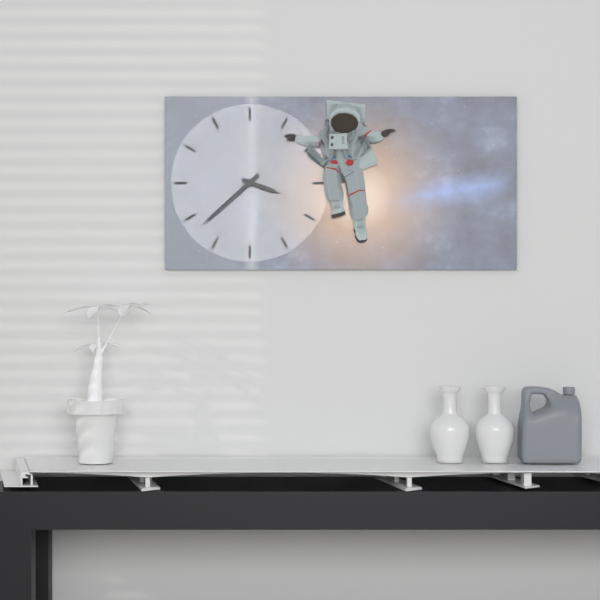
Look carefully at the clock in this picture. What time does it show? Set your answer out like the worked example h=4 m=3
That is h=3 m=38
